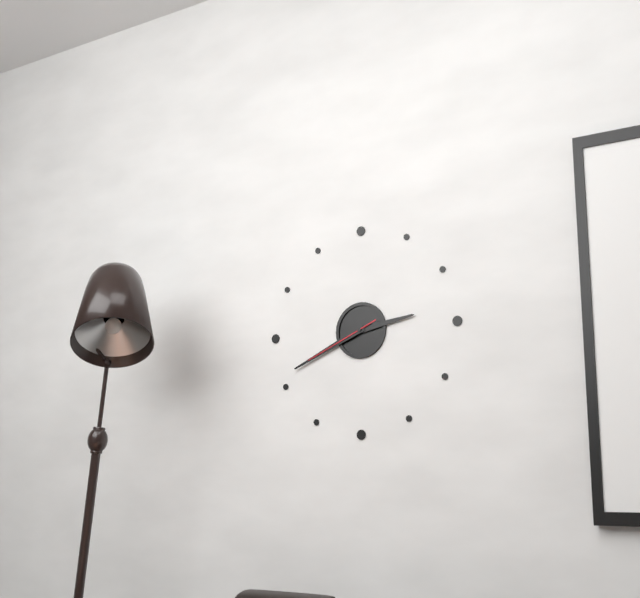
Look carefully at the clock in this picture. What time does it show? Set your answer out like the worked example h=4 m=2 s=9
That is h=2 m=41 s=41
